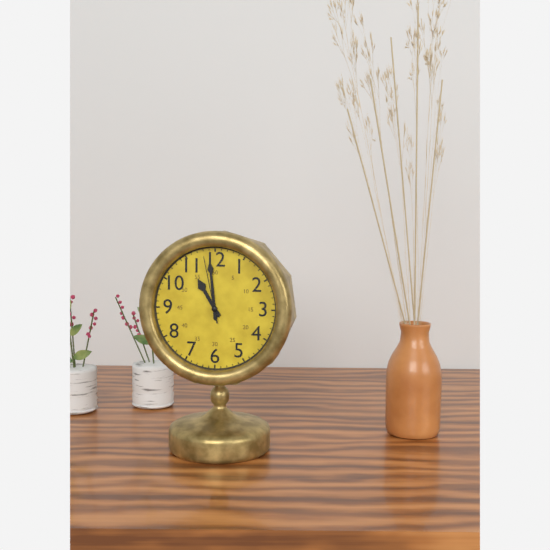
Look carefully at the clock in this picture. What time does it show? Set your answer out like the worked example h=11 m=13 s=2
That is h=10 m=59 s=58
